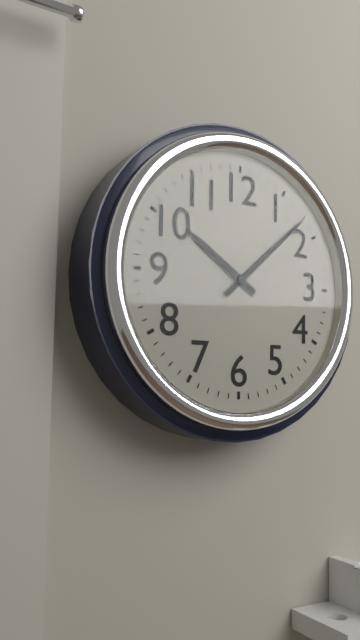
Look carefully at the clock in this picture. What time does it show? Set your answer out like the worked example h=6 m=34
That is h=10 m=8
